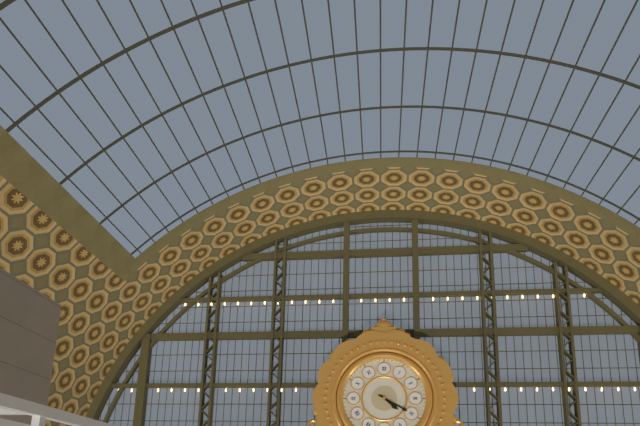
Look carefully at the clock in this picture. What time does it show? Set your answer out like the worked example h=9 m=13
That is h=4 m=20
